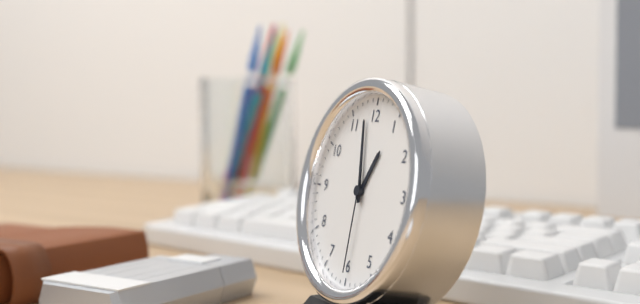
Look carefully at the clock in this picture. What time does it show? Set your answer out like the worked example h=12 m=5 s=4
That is h=12 m=58 s=30
